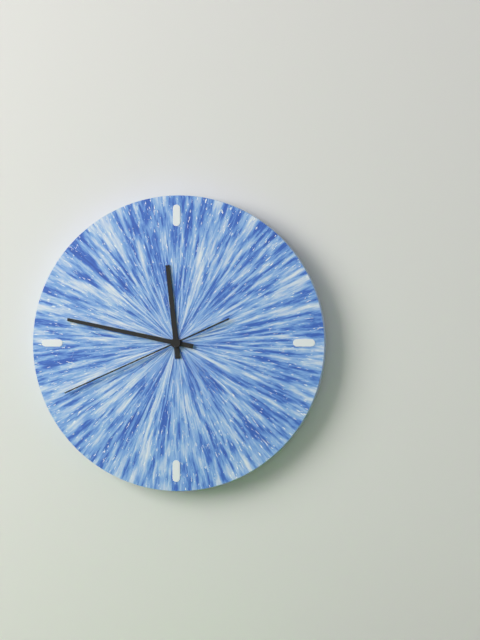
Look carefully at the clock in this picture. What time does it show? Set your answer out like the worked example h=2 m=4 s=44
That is h=11 m=47 s=41
